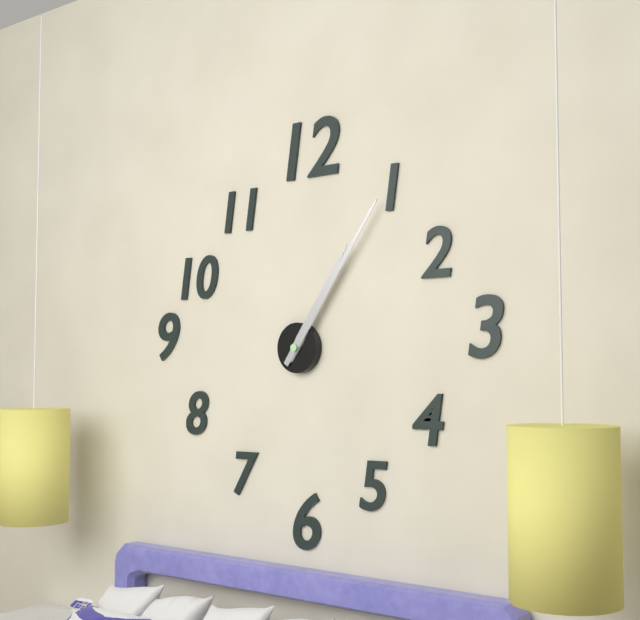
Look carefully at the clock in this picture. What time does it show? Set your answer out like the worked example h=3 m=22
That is h=1 m=6
